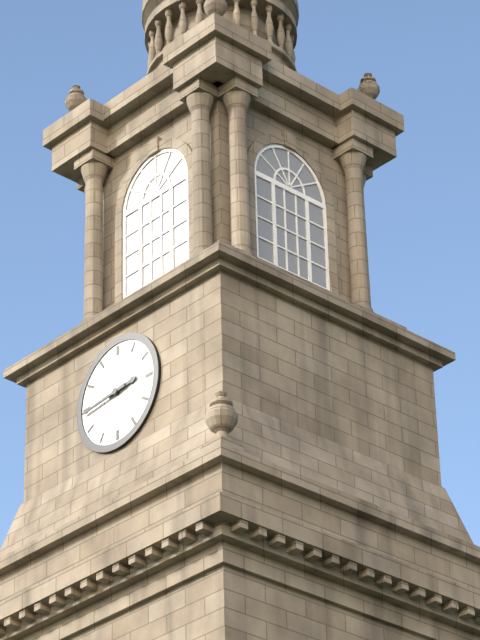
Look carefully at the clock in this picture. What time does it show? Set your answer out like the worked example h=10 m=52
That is h=2 m=44
